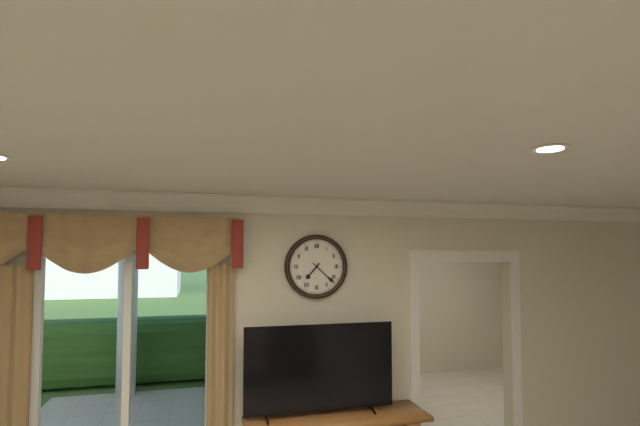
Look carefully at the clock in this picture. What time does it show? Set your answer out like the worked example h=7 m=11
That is h=7 m=22
